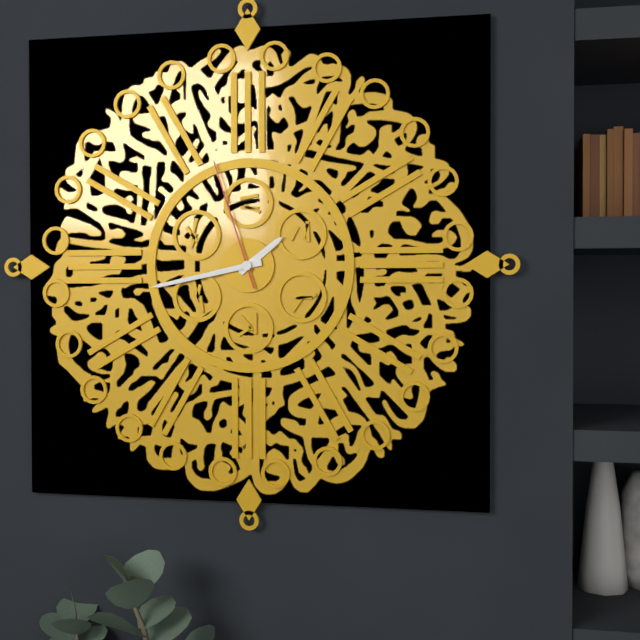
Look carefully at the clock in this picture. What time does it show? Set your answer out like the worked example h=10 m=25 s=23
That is h=1 m=43 s=57
